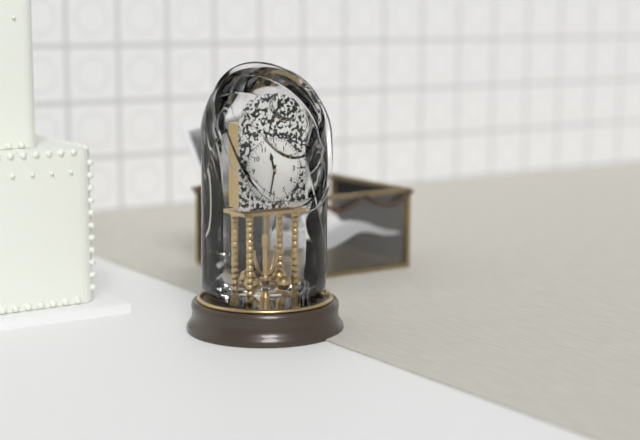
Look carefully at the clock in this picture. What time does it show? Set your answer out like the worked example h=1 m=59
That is h=11 m=32
